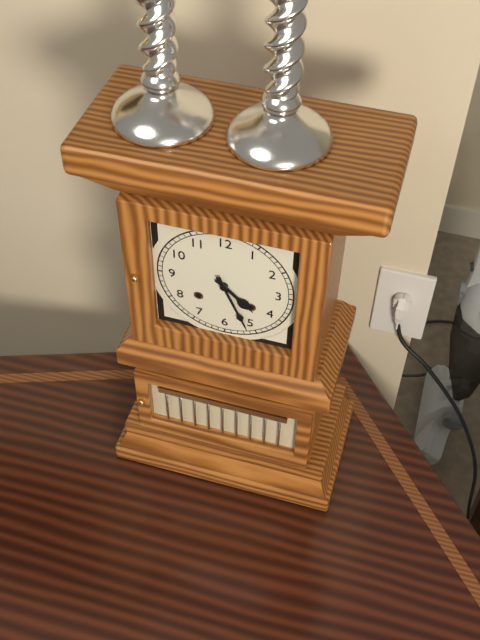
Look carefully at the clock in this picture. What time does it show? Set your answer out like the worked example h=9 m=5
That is h=4 m=26
